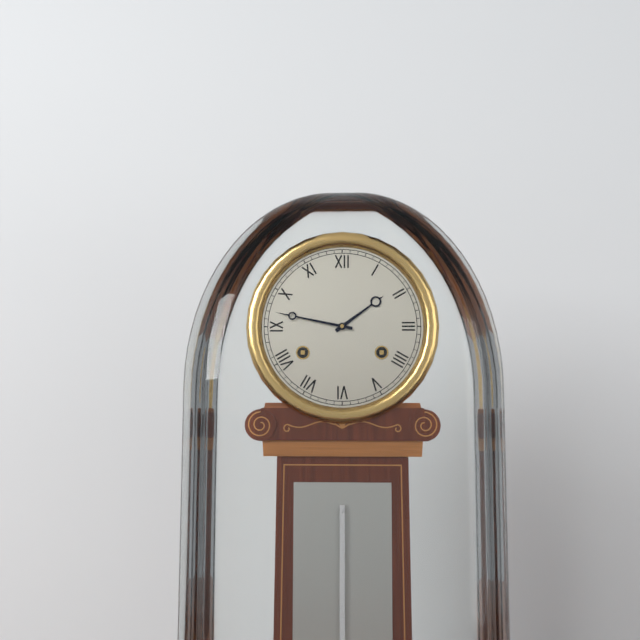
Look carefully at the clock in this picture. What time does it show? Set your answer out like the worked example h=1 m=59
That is h=1 m=47
